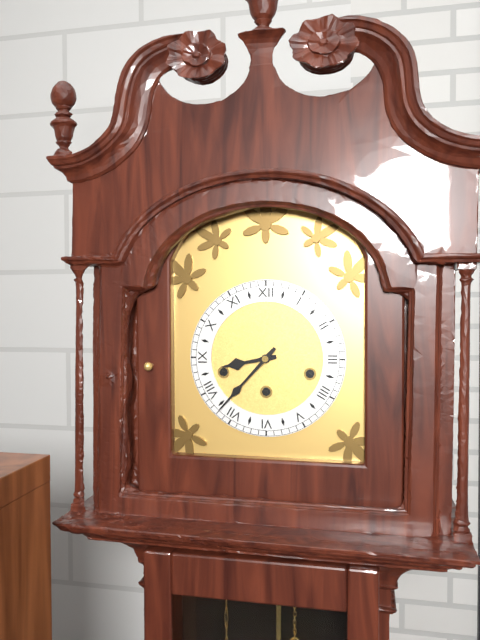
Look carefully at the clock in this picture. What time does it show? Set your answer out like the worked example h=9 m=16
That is h=8 m=37
